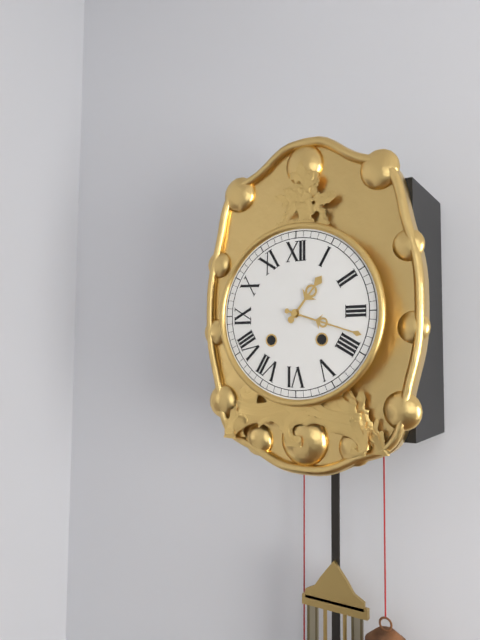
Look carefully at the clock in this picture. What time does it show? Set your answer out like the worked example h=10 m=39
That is h=1 m=18
